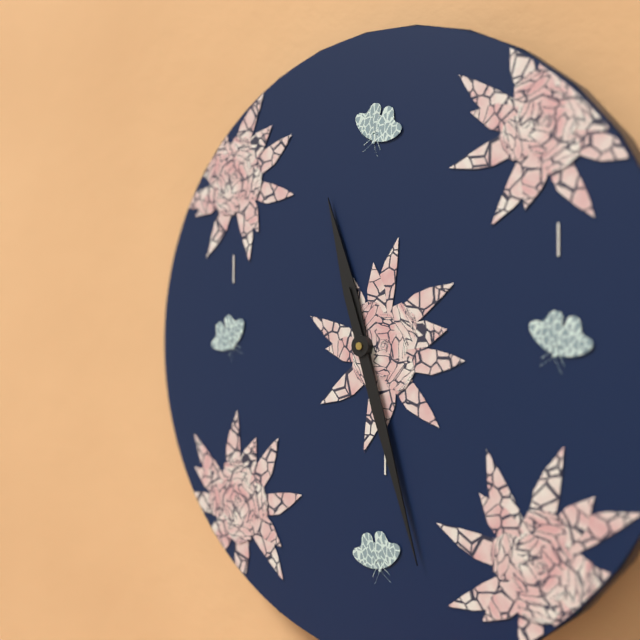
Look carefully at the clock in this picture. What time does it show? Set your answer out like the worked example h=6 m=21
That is h=11 m=27
